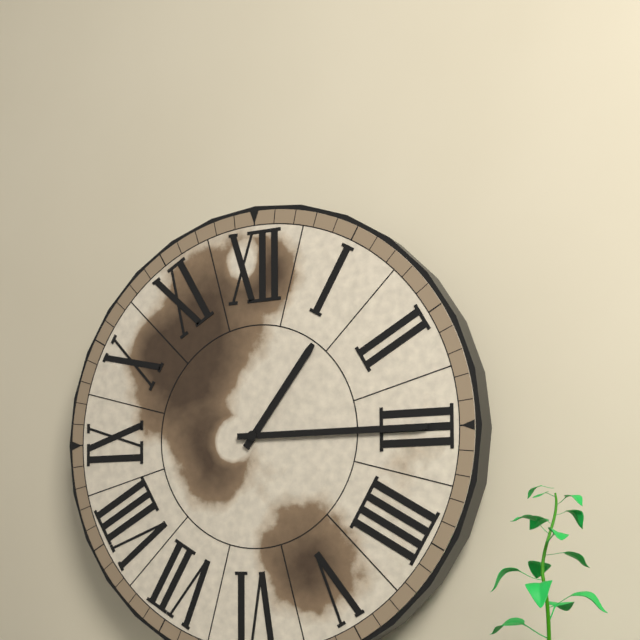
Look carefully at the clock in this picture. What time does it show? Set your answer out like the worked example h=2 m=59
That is h=1 m=15
